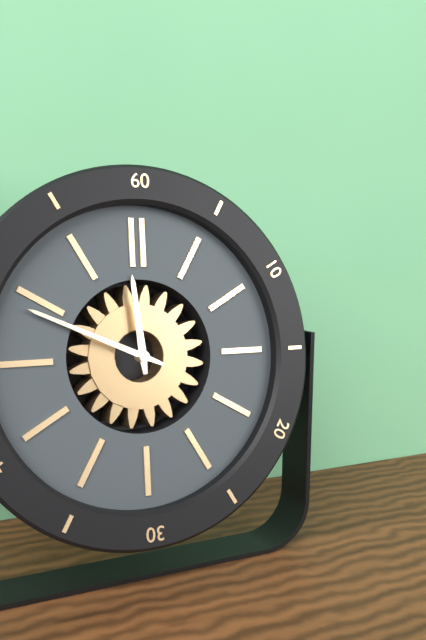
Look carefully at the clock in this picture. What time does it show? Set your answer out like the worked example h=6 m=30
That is h=11 m=49
